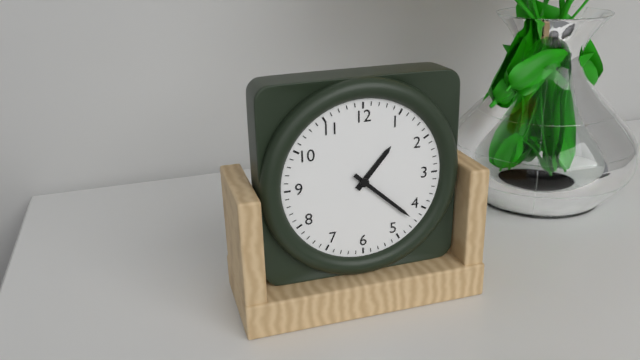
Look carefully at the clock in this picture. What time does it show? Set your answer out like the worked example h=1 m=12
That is h=1 m=22
